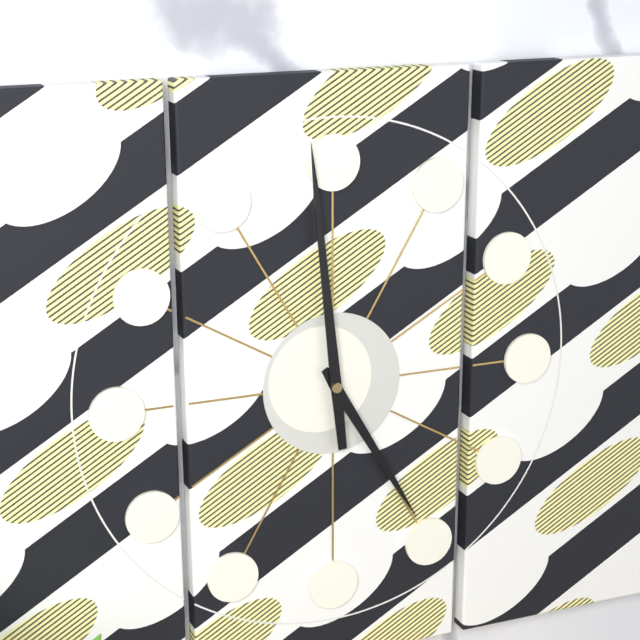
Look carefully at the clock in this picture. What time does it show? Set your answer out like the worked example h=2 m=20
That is h=4 m=59
